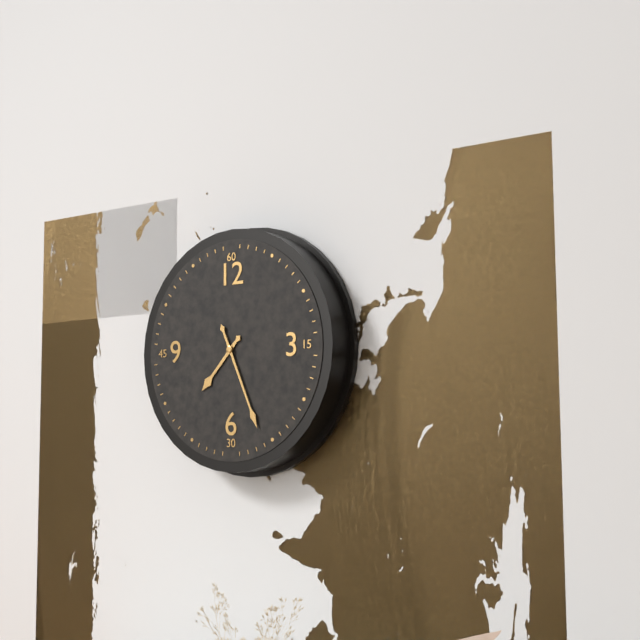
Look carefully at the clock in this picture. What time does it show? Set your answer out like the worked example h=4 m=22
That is h=7 m=26
